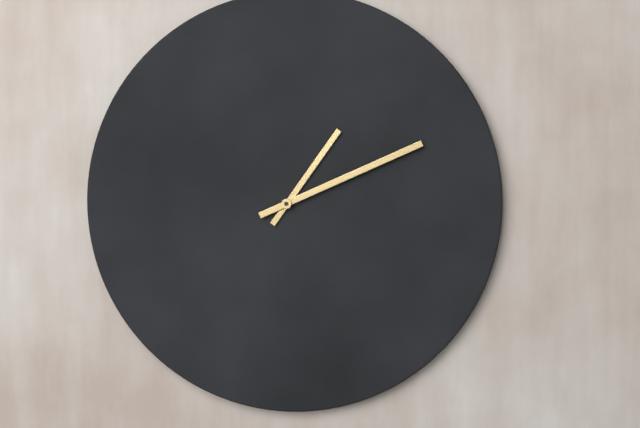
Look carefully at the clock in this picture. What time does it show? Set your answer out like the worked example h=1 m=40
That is h=1 m=11
